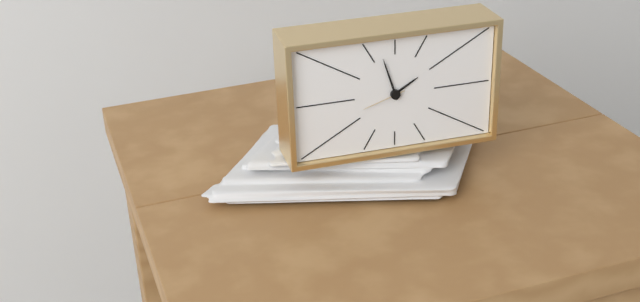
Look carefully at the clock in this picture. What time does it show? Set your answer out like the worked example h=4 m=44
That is h=1 m=57
